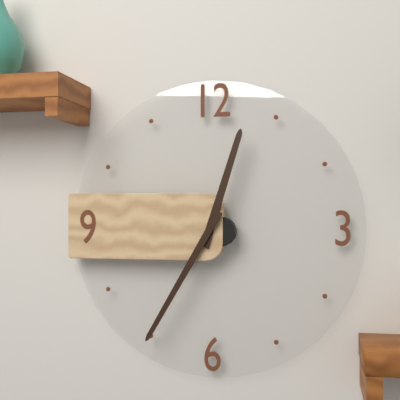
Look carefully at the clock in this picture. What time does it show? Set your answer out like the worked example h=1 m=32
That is h=12 m=35
